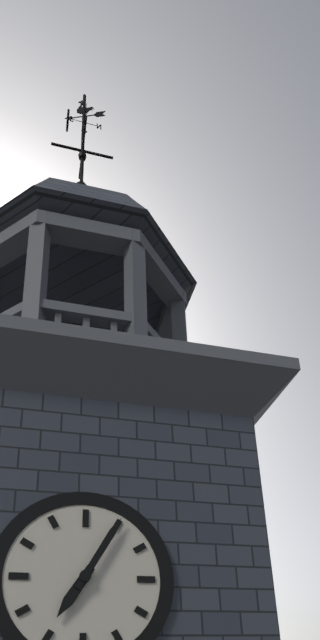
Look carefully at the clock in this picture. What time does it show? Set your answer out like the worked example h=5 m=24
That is h=7 m=5
